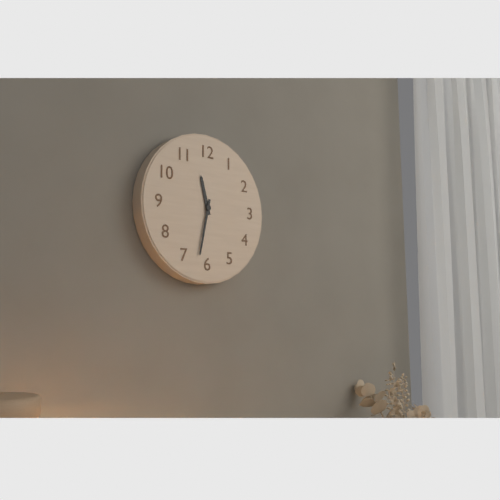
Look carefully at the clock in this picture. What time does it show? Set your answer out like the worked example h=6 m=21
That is h=11 m=32
